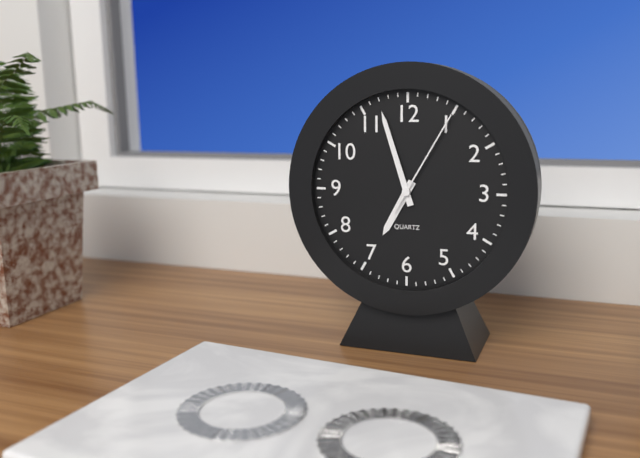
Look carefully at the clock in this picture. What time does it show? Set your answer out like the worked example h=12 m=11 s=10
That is h=6 m=57 s=5
